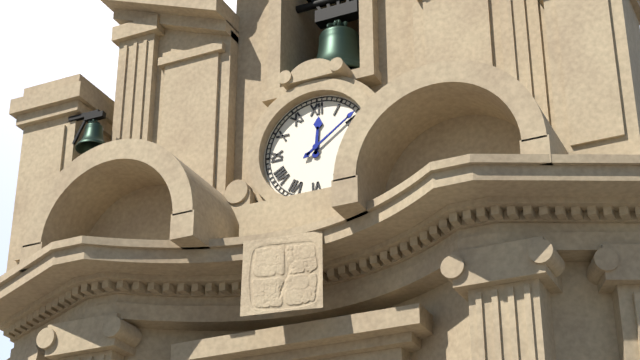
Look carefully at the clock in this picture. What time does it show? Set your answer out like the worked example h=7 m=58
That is h=12 m=9
